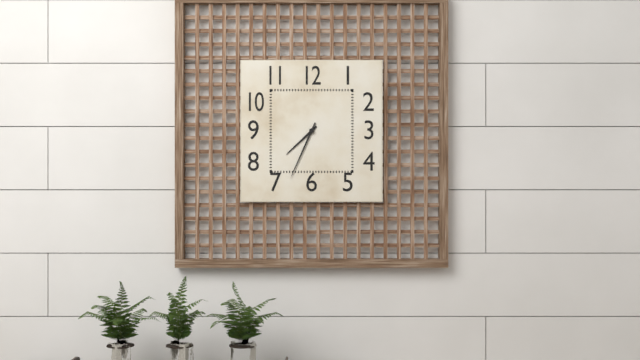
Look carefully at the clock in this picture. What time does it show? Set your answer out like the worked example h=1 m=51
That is h=7 m=34
